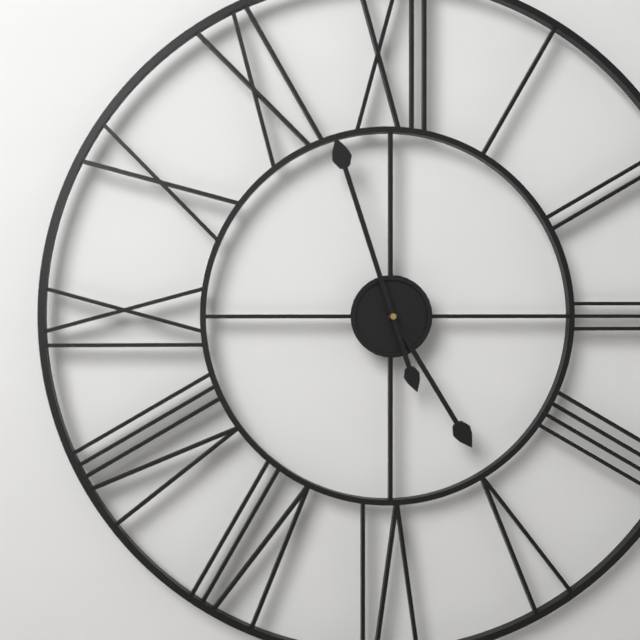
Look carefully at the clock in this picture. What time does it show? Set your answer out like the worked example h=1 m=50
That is h=4 m=57
